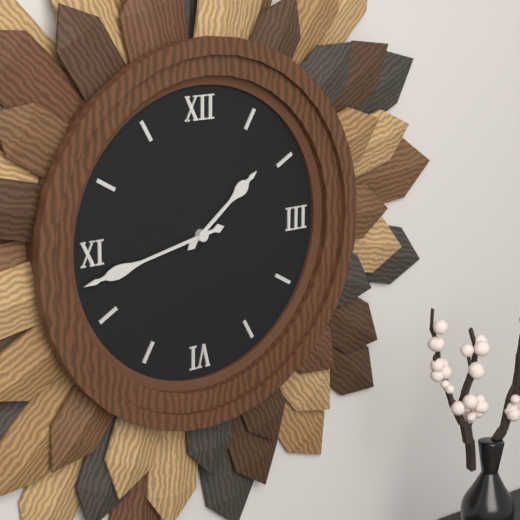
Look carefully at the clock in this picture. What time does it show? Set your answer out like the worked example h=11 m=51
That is h=1 m=43
